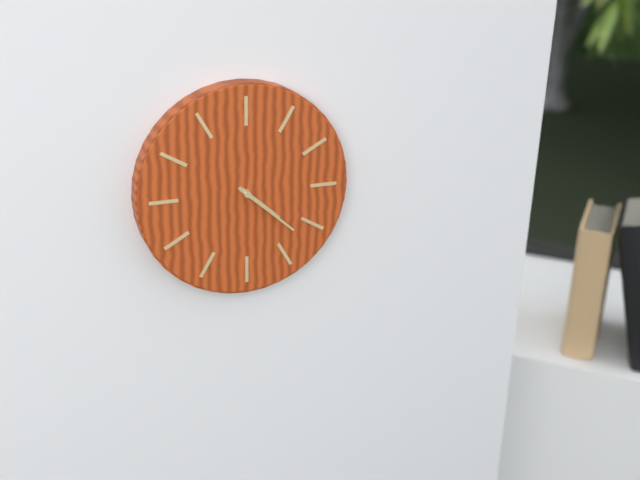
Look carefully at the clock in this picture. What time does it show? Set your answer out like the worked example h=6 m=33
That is h=4 m=22
